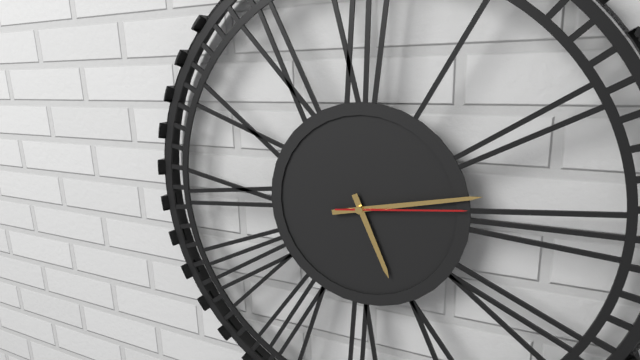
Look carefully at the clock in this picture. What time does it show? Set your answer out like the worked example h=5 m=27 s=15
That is h=5 m=13 s=14
